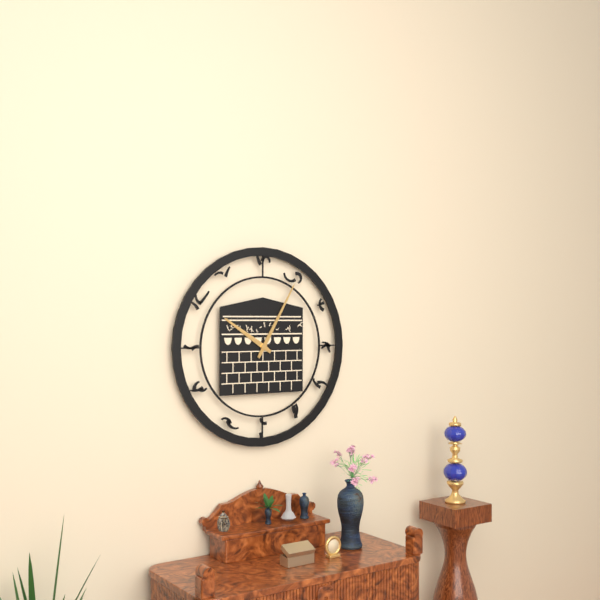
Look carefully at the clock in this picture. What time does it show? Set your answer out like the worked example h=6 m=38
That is h=10 m=5
